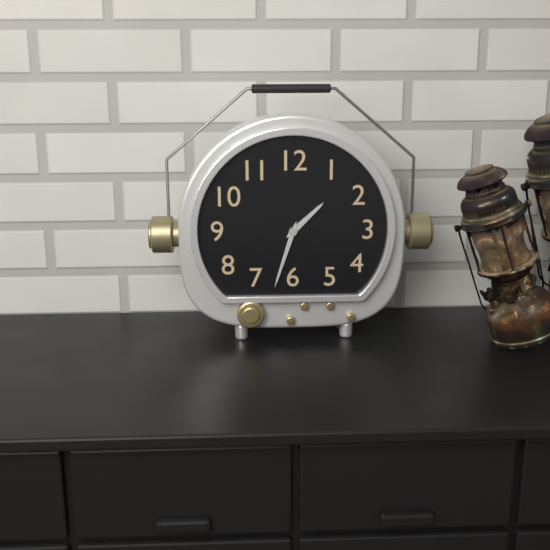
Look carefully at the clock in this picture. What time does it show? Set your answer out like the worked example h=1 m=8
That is h=1 m=33
